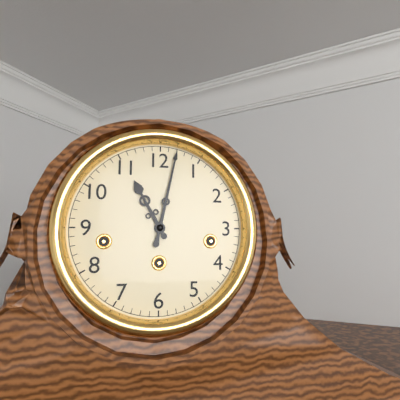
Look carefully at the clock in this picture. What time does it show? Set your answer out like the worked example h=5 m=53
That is h=11 m=2
